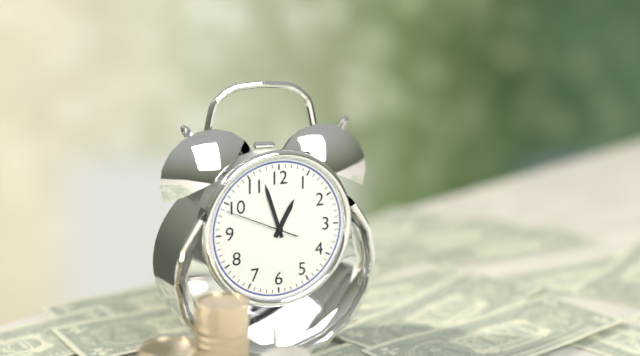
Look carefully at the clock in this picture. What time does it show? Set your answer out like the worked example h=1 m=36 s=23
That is h=12 m=57 s=49
